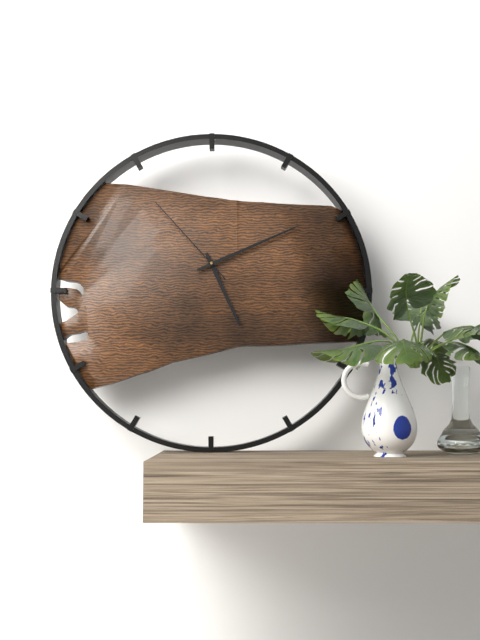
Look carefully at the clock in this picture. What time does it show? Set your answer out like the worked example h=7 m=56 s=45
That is h=5 m=11 s=53
